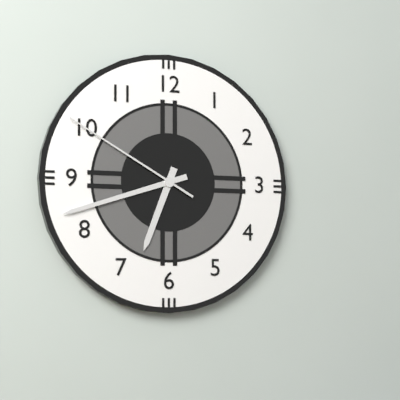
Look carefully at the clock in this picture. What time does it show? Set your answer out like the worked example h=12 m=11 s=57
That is h=6 m=42 s=50
